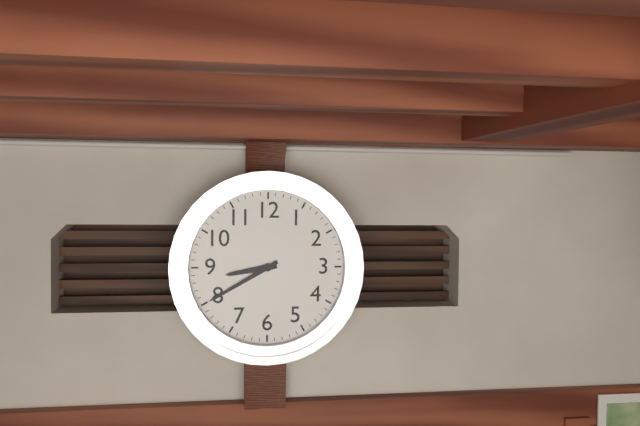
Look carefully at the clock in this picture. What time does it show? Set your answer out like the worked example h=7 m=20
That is h=8 m=40
